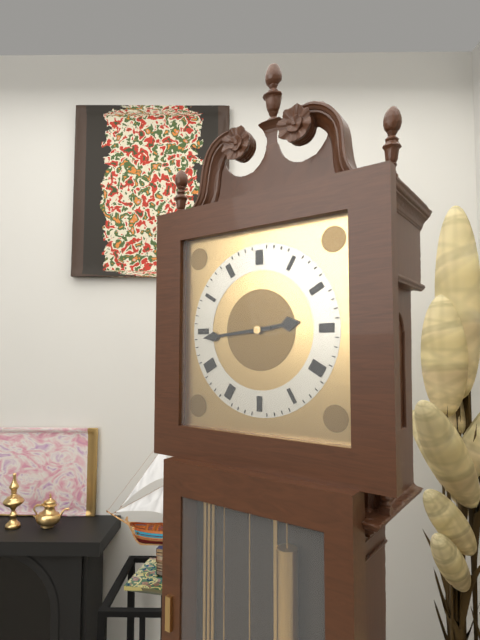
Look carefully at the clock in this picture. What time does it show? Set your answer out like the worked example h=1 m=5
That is h=2 m=44
